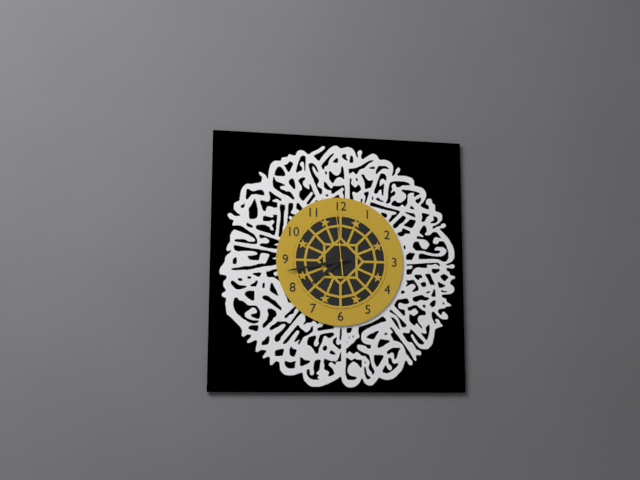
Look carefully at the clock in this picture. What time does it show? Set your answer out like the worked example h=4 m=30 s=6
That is h=7 m=43 s=59
